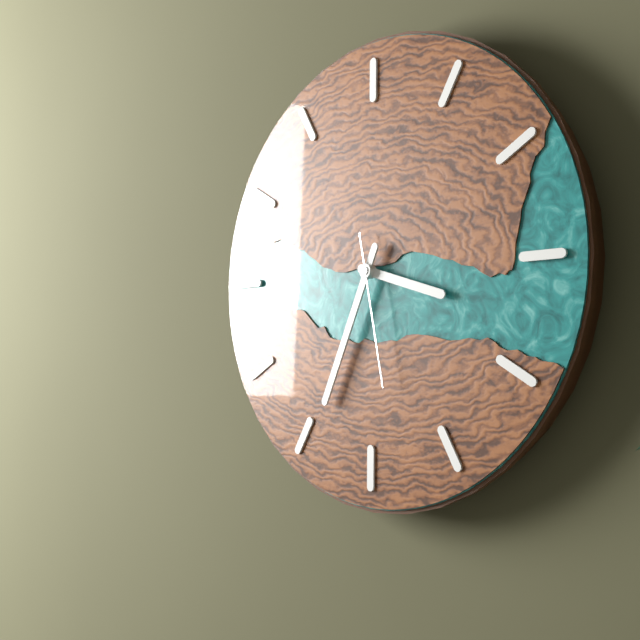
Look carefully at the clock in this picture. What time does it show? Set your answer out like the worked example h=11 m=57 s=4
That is h=3 m=34 s=28
